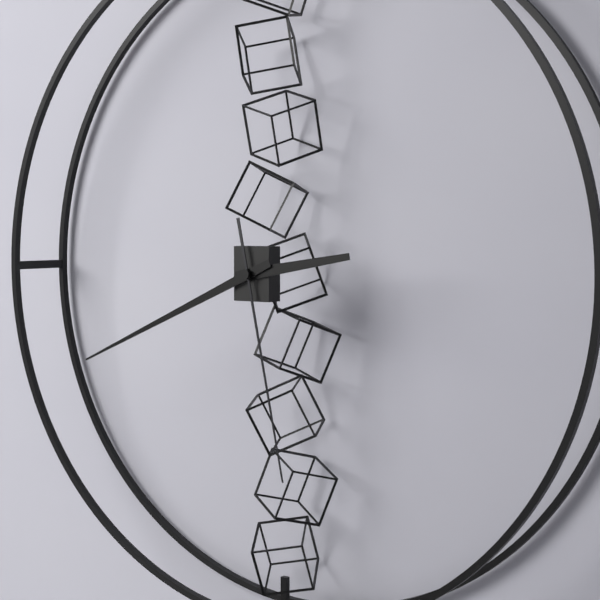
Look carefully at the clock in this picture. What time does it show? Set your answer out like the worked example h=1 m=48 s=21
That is h=2 m=41 s=28
